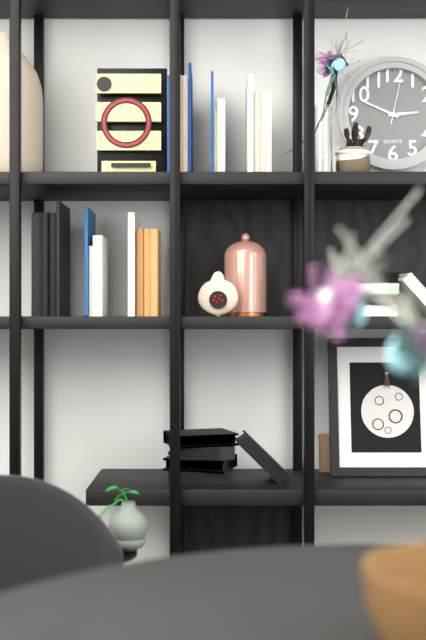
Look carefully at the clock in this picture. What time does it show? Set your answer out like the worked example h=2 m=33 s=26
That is h=2 m=49 s=2
